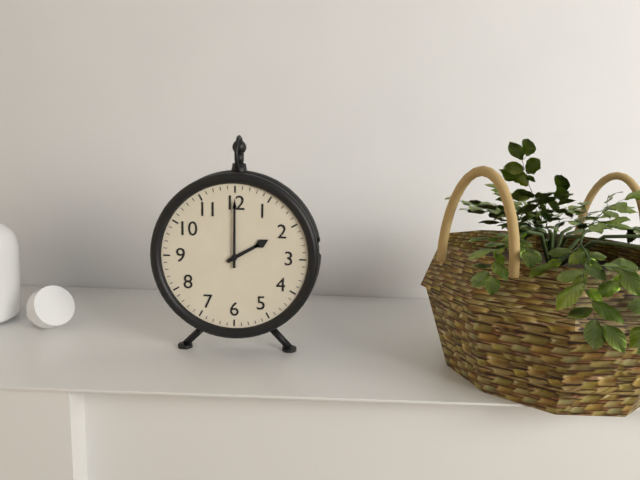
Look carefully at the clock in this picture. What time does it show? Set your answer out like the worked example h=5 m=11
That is h=2 m=0
